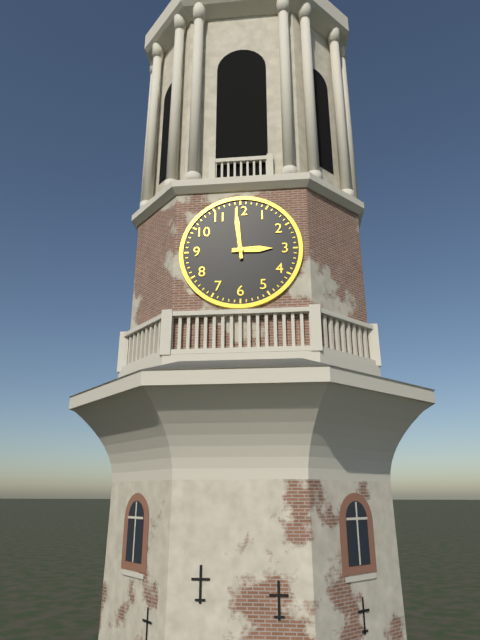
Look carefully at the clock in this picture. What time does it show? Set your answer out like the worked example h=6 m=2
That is h=2 m=59
